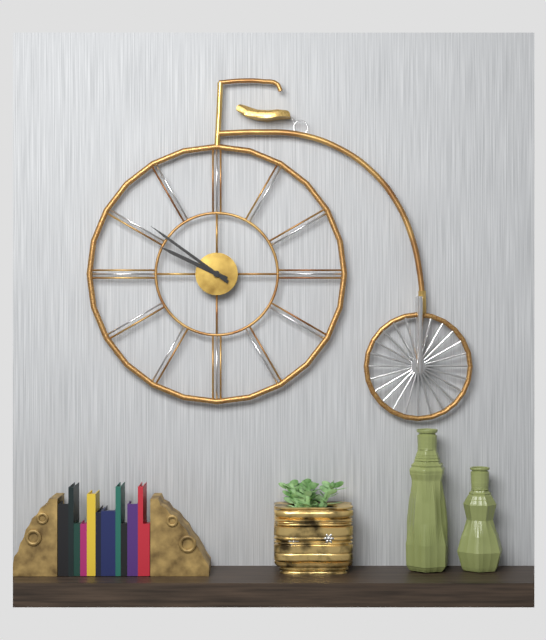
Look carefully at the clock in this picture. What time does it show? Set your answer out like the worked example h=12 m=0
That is h=9 m=51
